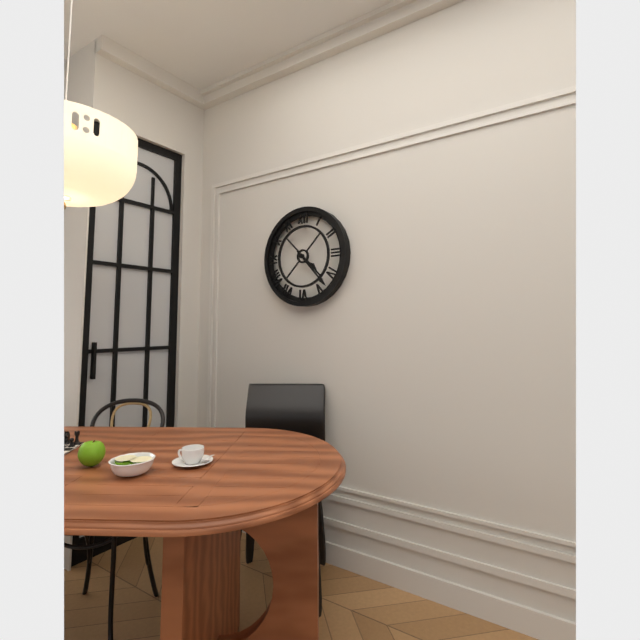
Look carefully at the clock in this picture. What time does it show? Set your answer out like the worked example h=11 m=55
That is h=4 m=23
